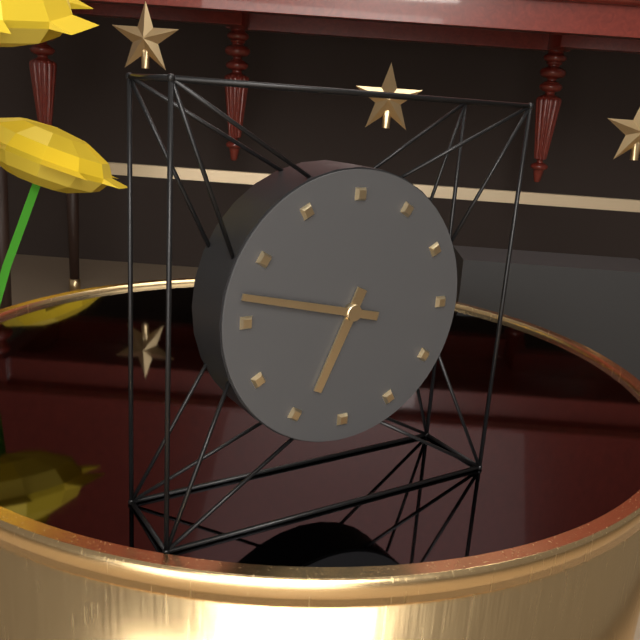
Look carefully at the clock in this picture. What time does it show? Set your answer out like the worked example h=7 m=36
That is h=6 m=47
